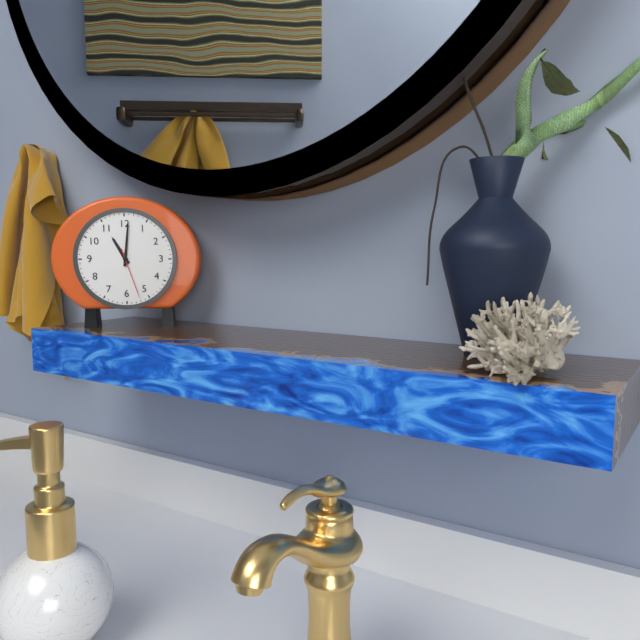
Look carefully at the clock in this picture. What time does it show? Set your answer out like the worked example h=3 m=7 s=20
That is h=11 m=1 s=27
